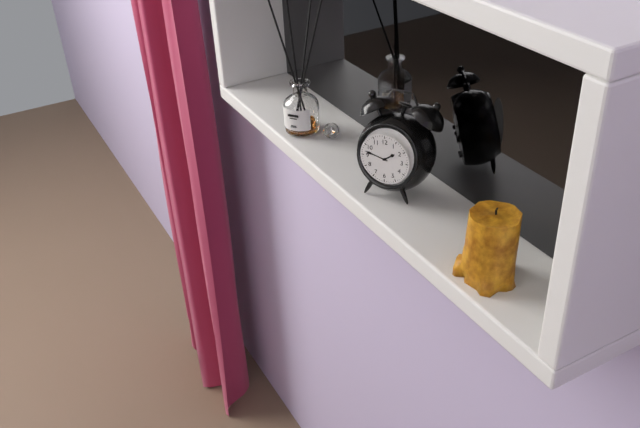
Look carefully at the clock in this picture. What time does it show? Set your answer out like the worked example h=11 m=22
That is h=1 m=47
